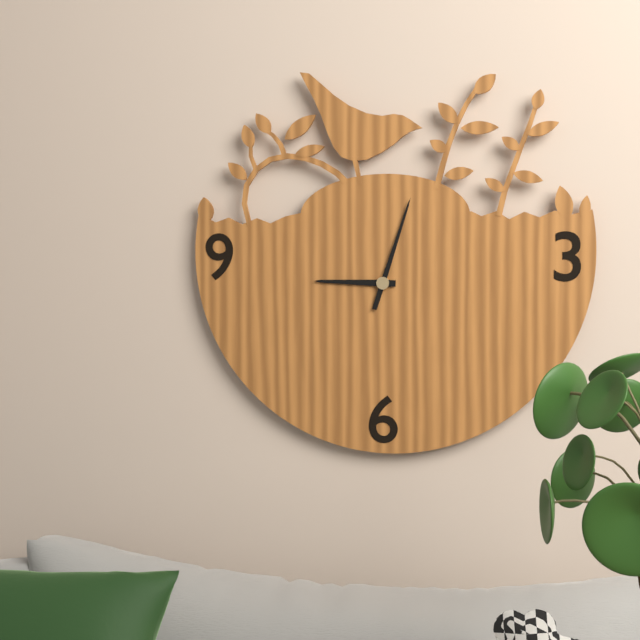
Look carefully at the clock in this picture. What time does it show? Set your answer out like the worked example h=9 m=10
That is h=9 m=3
